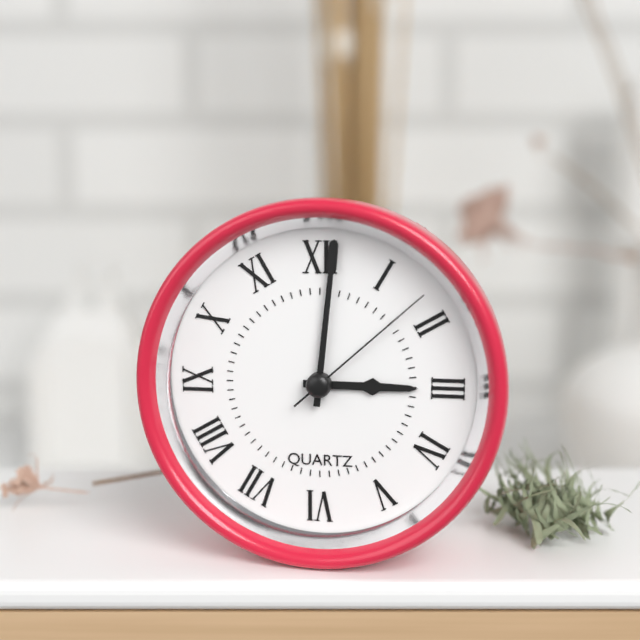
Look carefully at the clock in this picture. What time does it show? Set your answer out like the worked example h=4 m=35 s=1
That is h=3 m=1 s=8
